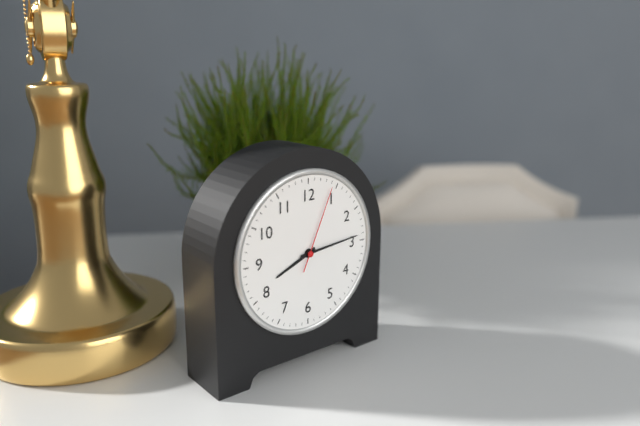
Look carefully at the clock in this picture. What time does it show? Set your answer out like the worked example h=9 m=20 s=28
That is h=8 m=14 s=4
